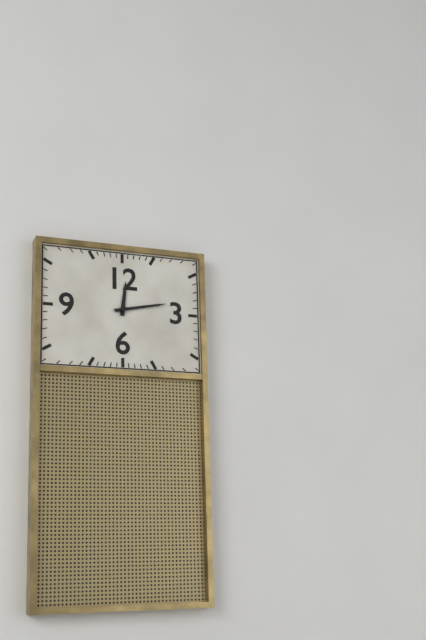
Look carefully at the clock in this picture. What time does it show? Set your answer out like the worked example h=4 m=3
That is h=12 m=13
